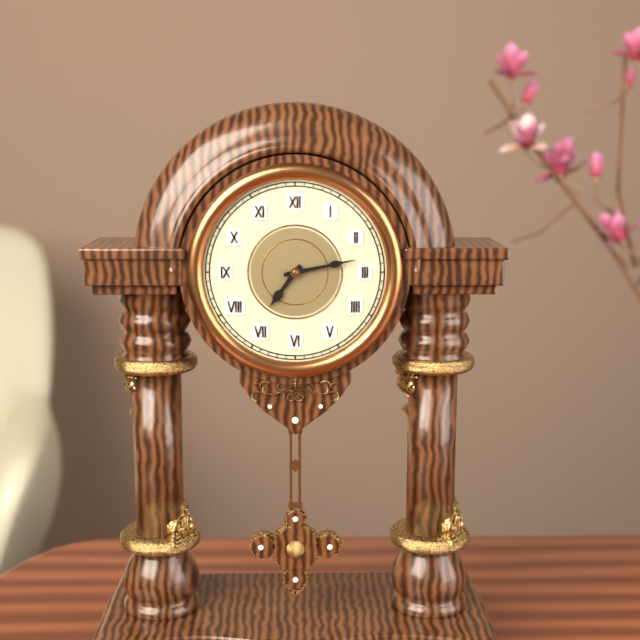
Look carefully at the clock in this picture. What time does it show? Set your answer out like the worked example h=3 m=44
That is h=7 m=13
